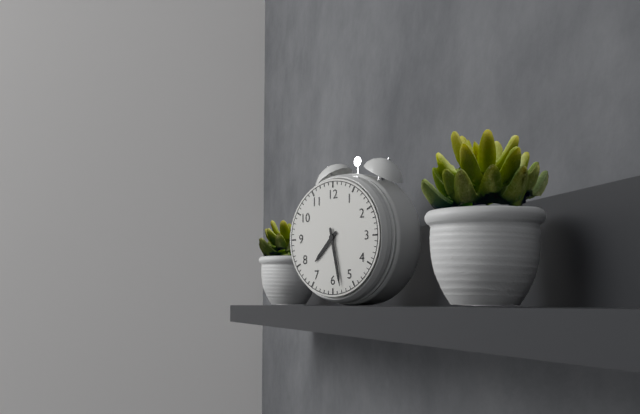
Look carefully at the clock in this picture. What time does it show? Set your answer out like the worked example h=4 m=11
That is h=7 m=28
